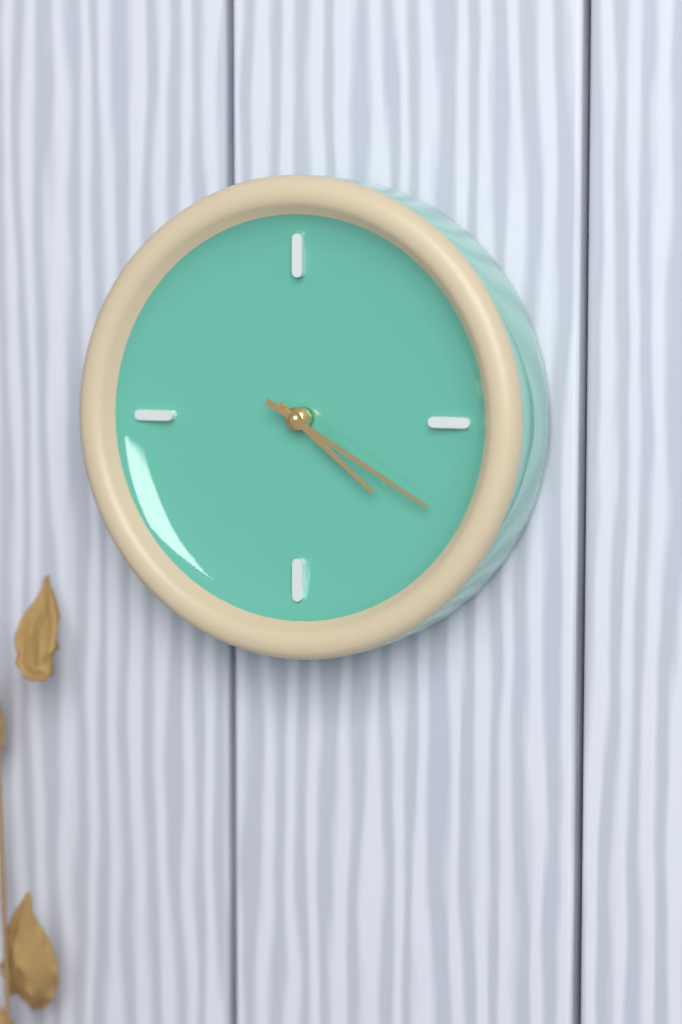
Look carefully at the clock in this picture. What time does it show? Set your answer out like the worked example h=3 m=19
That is h=4 m=20
